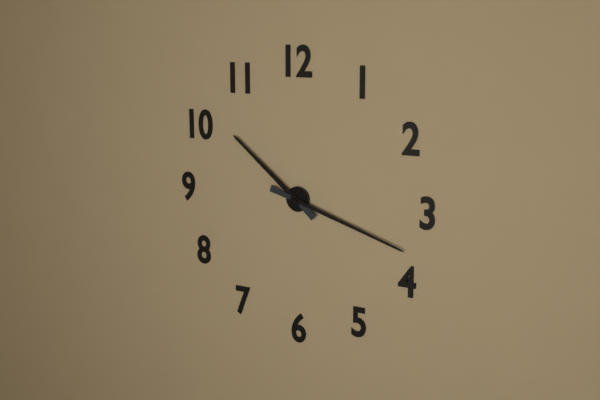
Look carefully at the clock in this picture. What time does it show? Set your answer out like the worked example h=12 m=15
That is h=10 m=18
